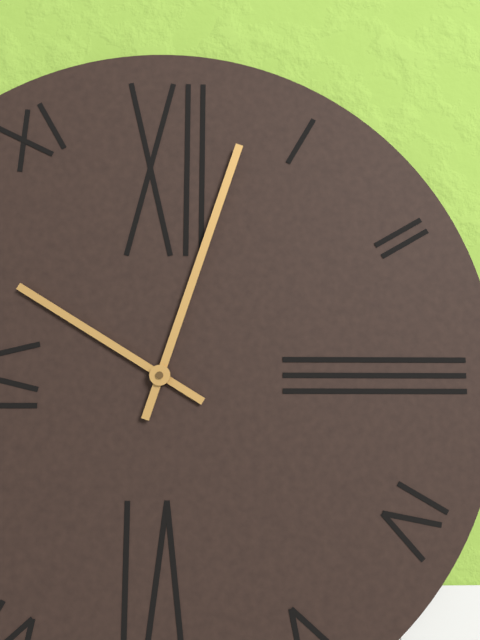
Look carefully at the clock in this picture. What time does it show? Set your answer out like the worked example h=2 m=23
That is h=10 m=3
